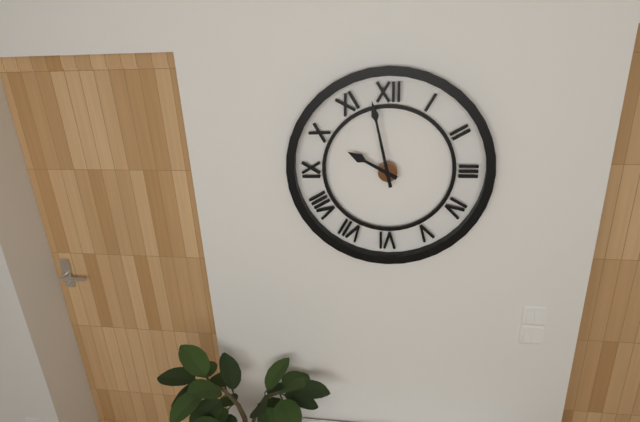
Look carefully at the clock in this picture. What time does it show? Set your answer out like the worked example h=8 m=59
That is h=9 m=58
